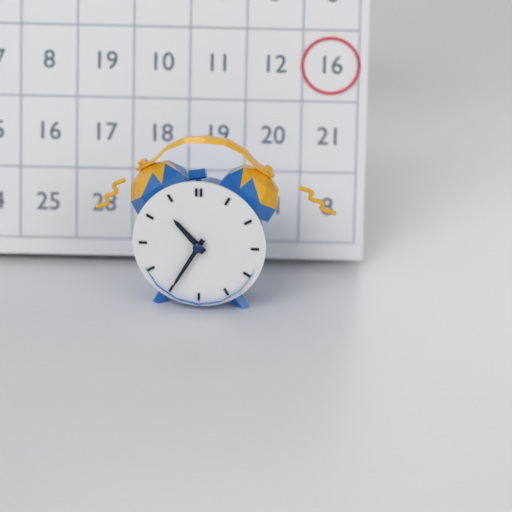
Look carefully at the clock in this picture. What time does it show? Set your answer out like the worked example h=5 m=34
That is h=10 m=35
